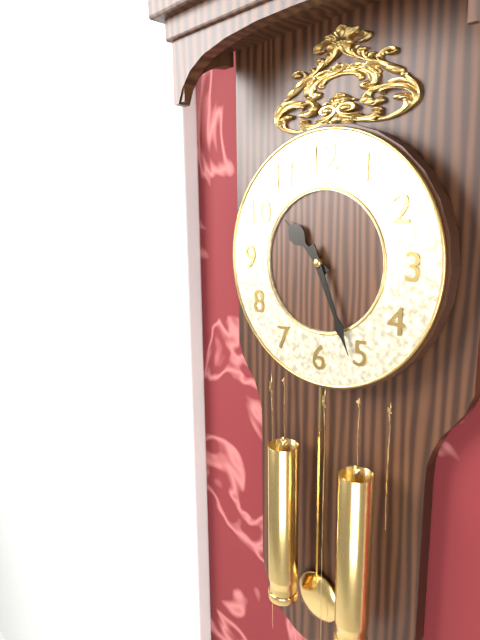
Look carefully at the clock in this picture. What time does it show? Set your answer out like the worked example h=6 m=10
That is h=10 m=26
